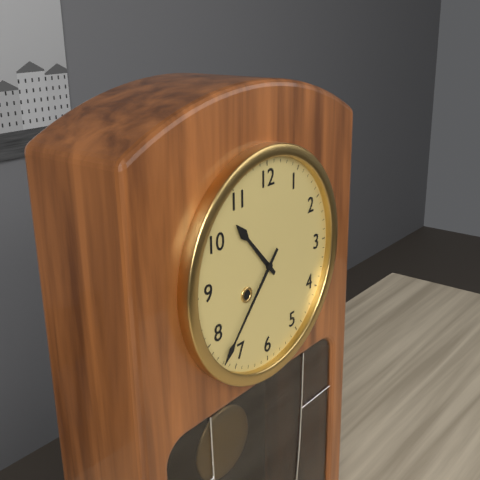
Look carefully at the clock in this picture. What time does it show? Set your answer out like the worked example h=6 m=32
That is h=10 m=37
